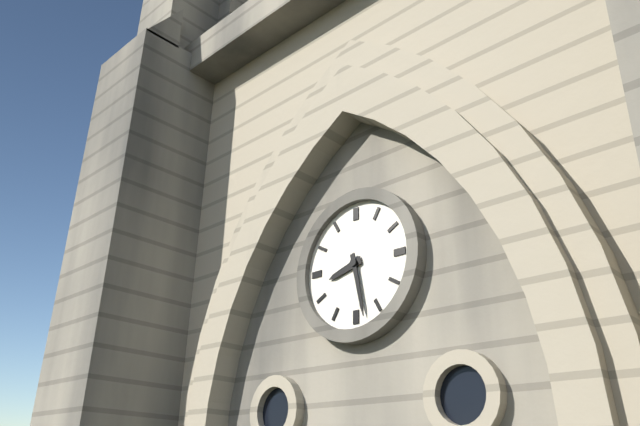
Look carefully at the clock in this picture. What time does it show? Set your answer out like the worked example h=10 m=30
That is h=8 m=28
